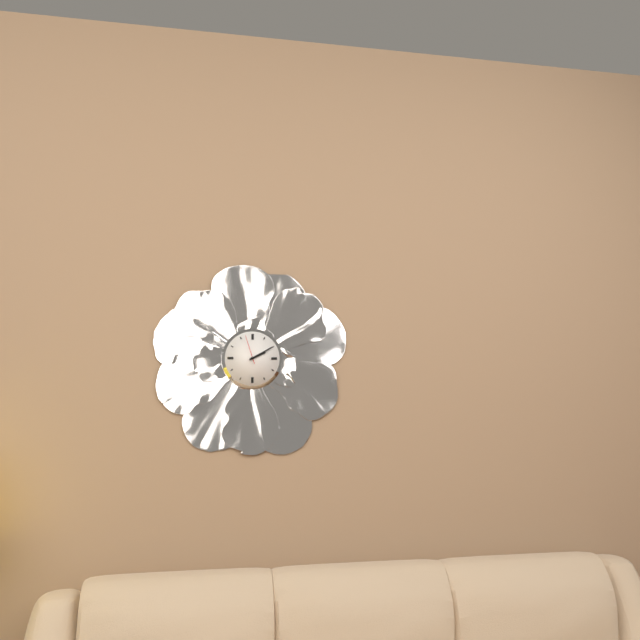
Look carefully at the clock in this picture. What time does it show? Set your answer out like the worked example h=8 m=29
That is h=2 m=10
